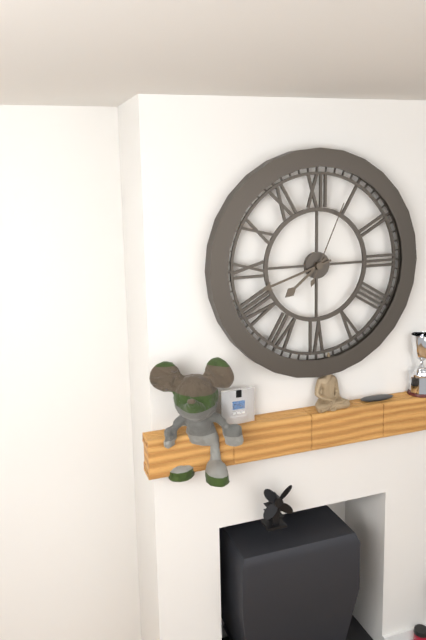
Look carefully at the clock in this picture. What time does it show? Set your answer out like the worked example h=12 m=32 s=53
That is h=7 m=42 s=4
